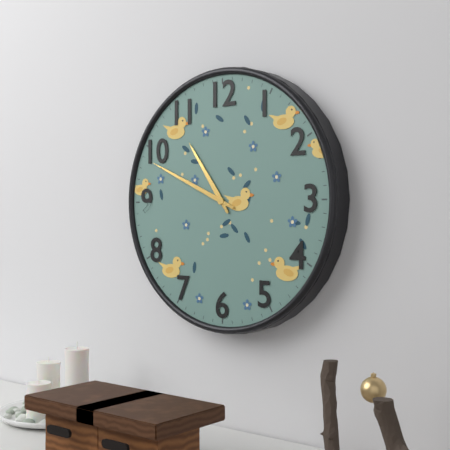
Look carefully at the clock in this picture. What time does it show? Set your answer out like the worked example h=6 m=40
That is h=10 m=49
